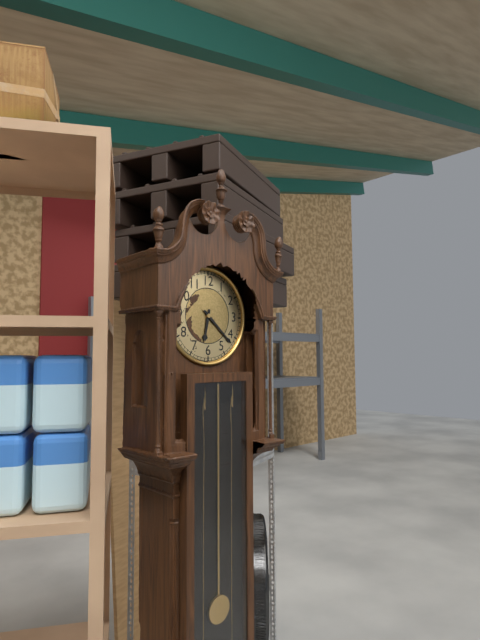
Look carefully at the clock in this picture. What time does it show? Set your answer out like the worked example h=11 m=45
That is h=6 m=22
